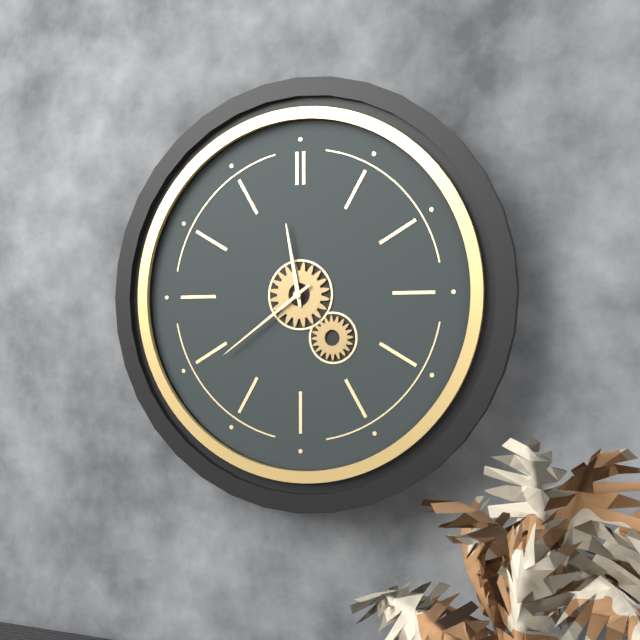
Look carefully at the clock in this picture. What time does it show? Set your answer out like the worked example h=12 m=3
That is h=11 m=39
